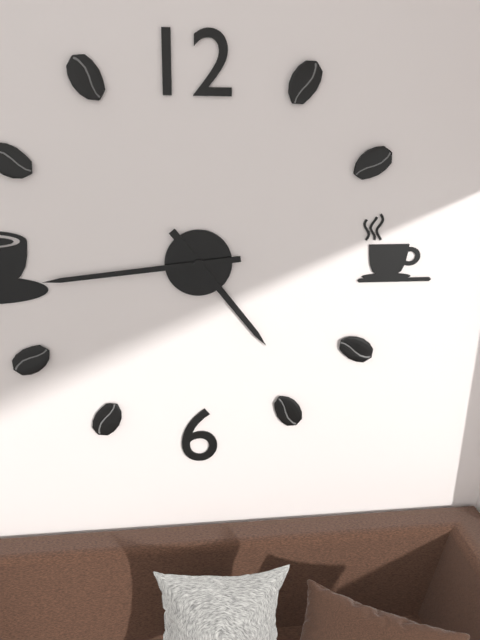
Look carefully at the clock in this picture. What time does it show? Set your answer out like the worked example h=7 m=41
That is h=4 m=44
